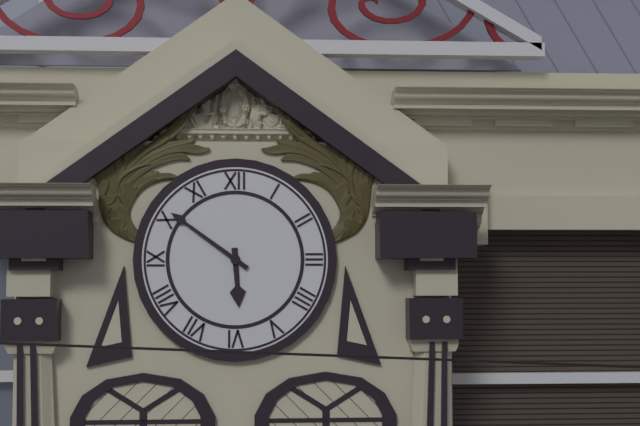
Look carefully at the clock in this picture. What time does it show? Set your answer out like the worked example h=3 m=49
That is h=5 m=51
